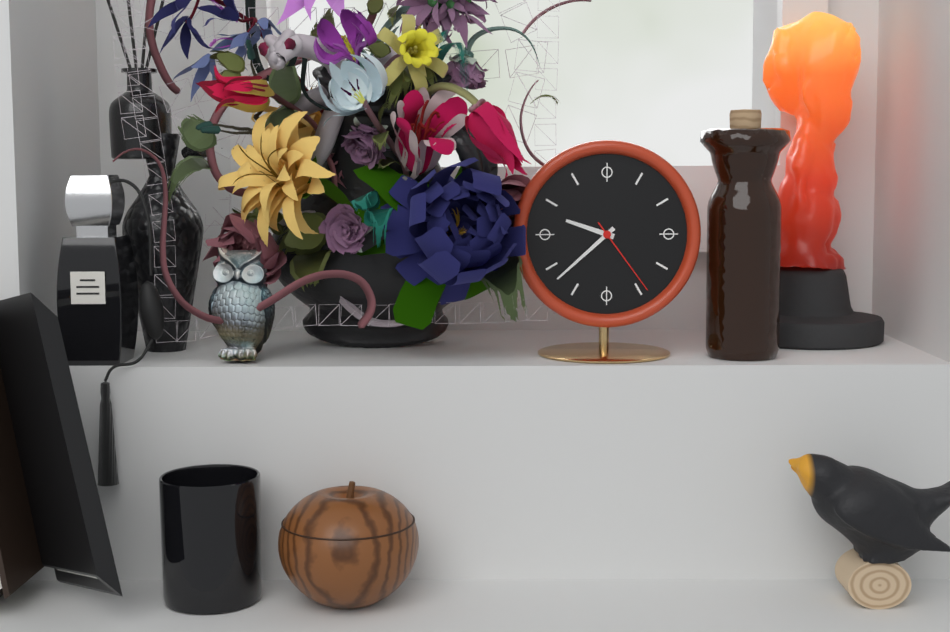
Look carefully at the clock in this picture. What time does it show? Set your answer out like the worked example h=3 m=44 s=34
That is h=9 m=38 s=24
